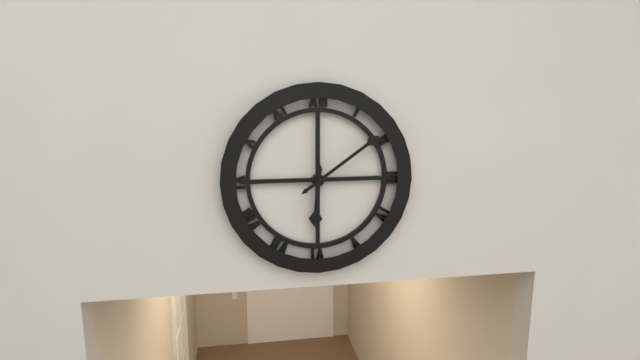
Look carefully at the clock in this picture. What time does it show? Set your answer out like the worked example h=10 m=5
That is h=6 m=9
